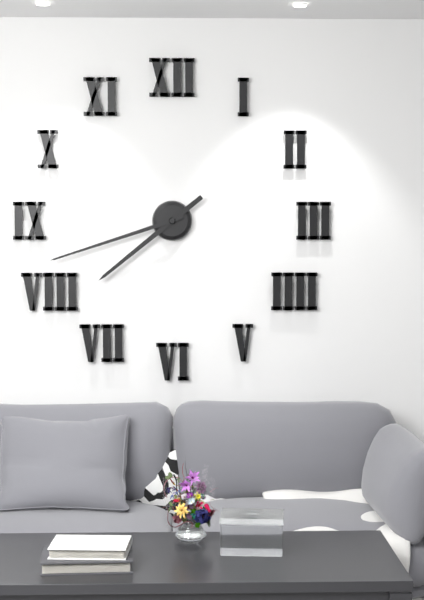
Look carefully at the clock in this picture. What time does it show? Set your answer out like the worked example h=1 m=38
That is h=7 m=42
